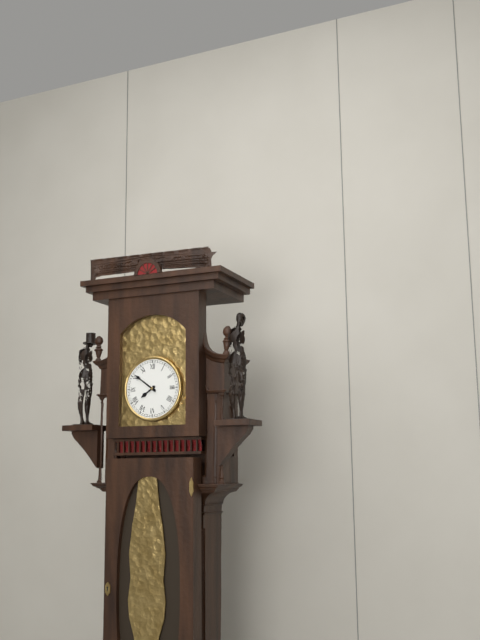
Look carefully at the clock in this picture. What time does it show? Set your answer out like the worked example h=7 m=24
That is h=7 m=51
